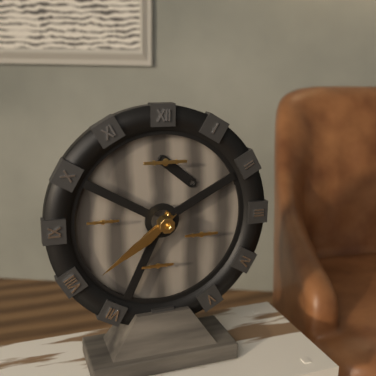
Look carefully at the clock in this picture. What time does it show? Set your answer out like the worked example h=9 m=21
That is h=7 m=39
